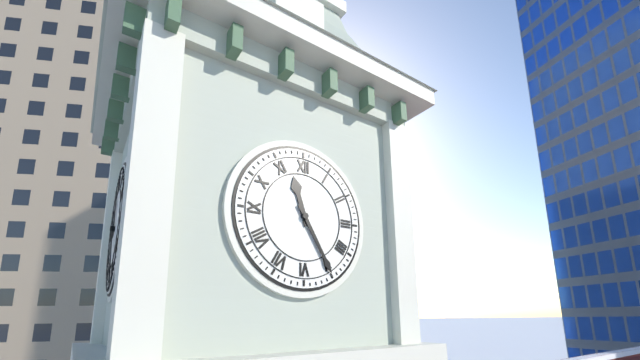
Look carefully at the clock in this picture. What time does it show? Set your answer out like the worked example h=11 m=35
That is h=11 m=25
